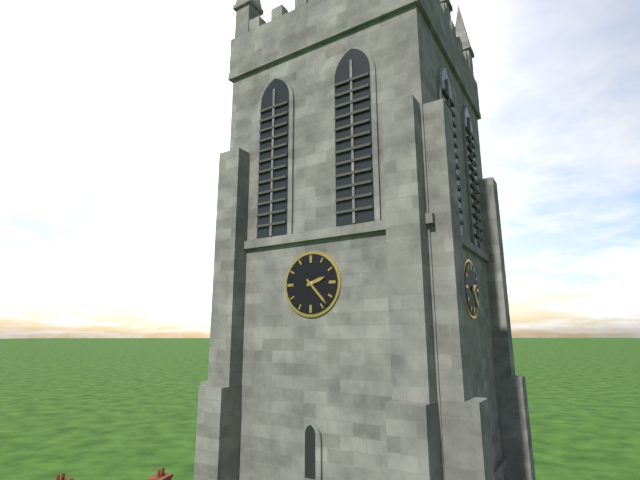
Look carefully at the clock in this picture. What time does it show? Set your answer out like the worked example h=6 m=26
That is h=2 m=23
